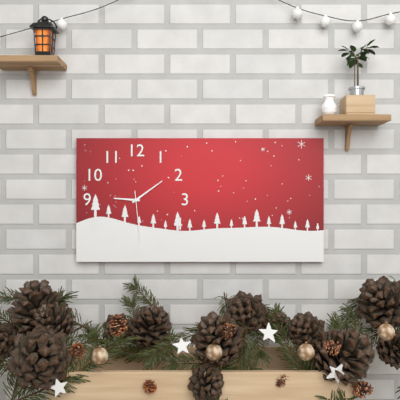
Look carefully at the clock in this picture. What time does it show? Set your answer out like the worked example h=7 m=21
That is h=9 m=9
